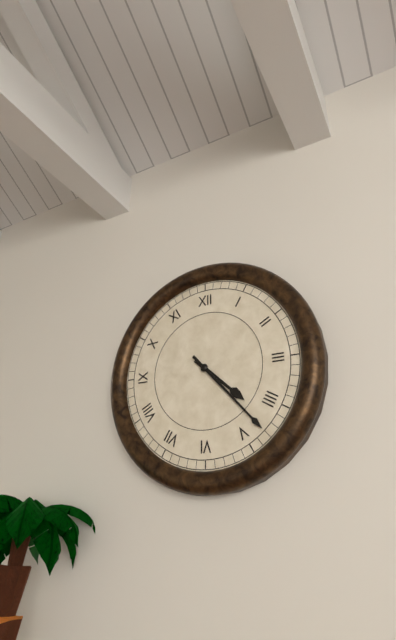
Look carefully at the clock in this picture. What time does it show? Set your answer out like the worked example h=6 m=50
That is h=4 m=23
